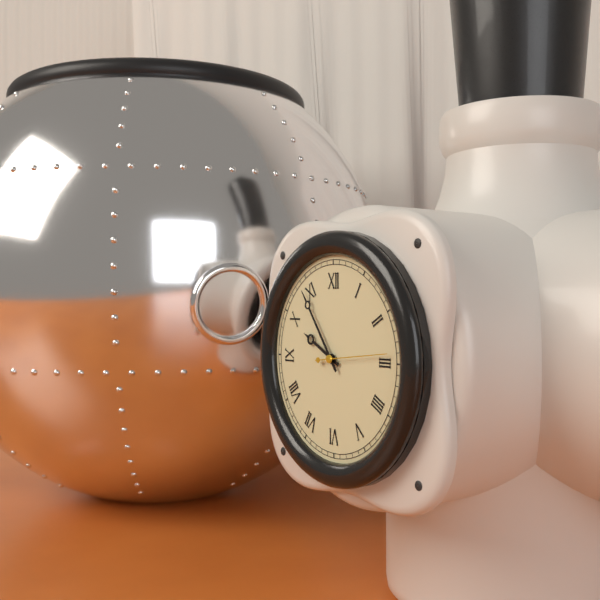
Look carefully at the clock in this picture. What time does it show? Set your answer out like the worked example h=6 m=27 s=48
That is h=9 m=54 s=14
